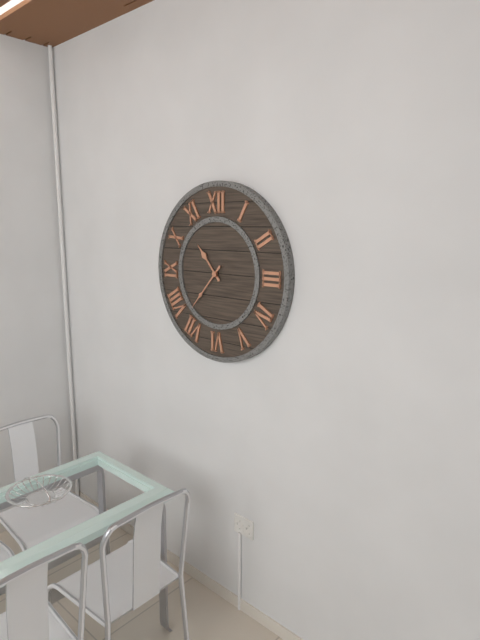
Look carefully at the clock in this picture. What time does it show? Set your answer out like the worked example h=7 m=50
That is h=10 m=37
